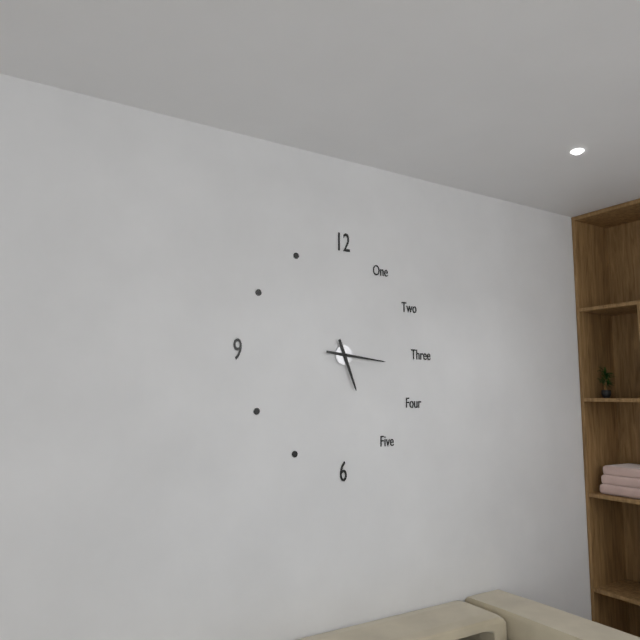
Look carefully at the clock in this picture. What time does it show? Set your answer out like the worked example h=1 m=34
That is h=5 m=16
